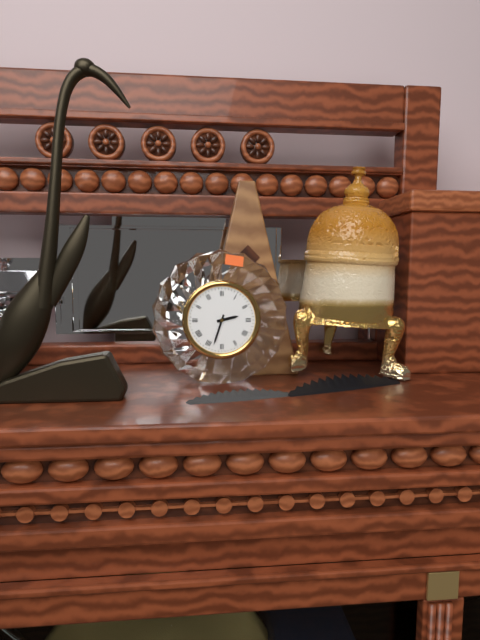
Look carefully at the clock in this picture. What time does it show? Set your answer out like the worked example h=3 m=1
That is h=2 m=33
